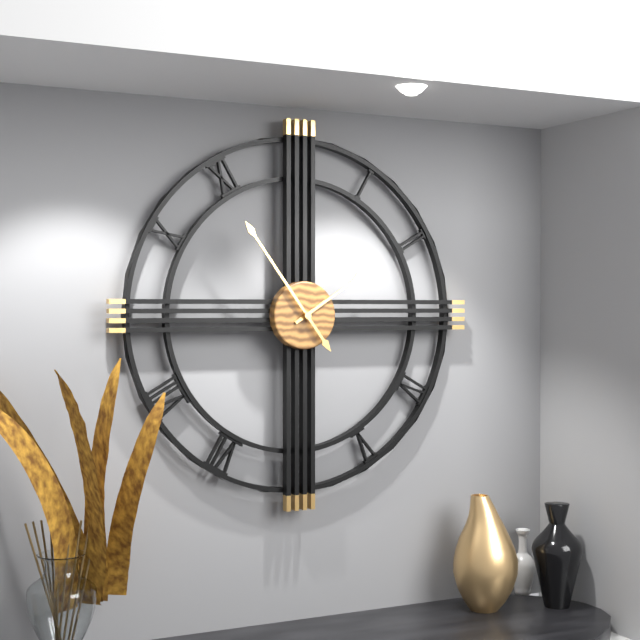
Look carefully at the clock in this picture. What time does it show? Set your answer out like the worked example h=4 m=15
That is h=1 m=54
